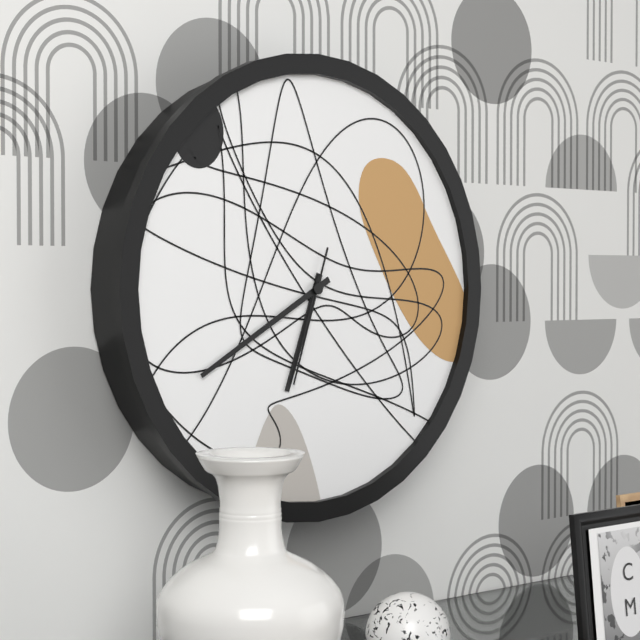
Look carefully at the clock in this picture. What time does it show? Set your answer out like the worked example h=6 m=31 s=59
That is h=6 m=40 s=33
